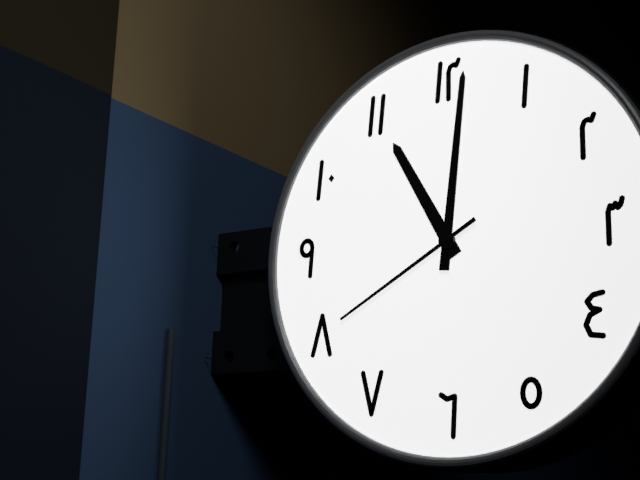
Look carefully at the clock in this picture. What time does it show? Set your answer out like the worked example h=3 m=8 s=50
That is h=11 m=1 s=40
